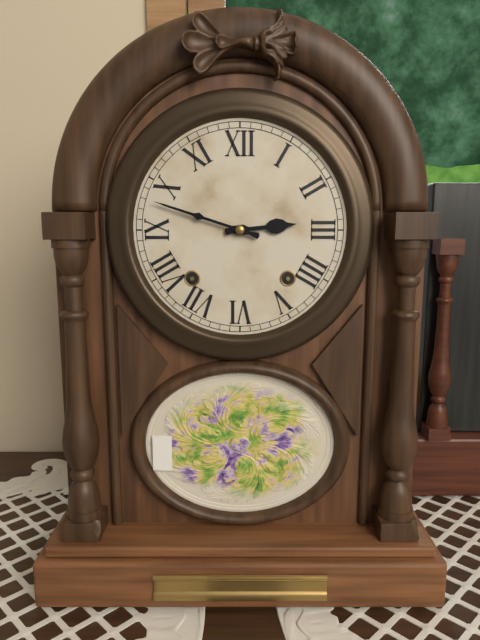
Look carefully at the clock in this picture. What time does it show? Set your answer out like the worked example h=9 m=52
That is h=2 m=48
